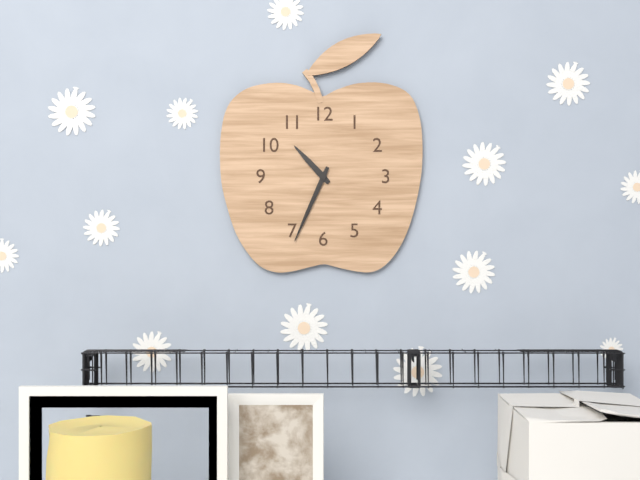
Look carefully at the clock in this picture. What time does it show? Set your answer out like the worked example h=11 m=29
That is h=10 m=34
